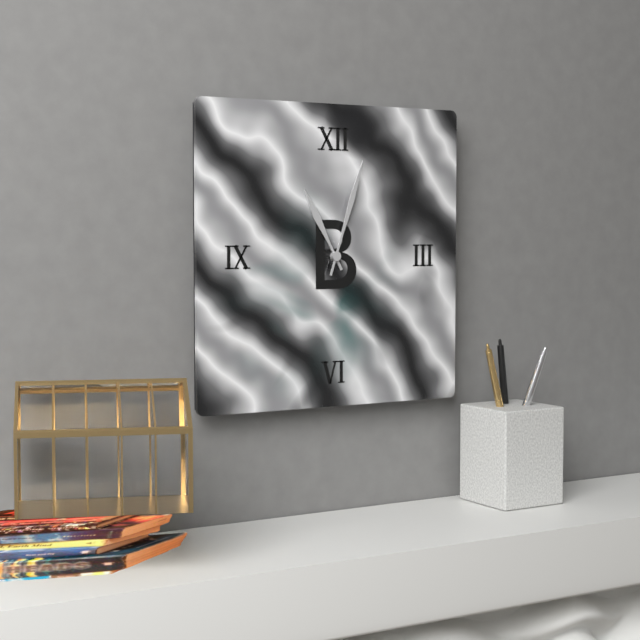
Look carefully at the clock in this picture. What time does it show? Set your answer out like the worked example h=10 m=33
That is h=11 m=3
